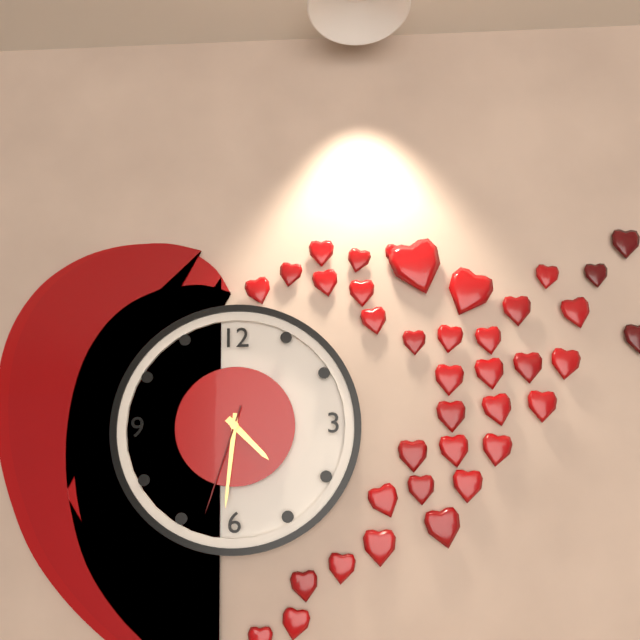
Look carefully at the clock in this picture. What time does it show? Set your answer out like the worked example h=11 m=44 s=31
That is h=4 m=31 s=33
